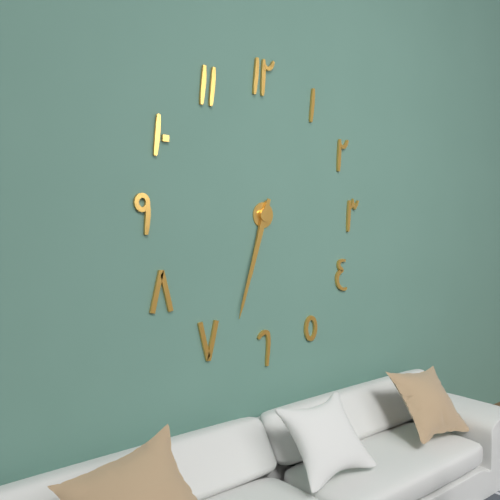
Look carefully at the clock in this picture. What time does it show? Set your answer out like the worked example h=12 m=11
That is h=6 m=33
